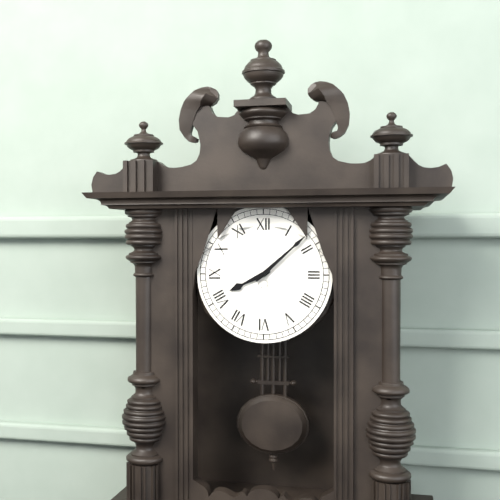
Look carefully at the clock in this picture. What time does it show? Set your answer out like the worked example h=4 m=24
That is h=8 m=8
